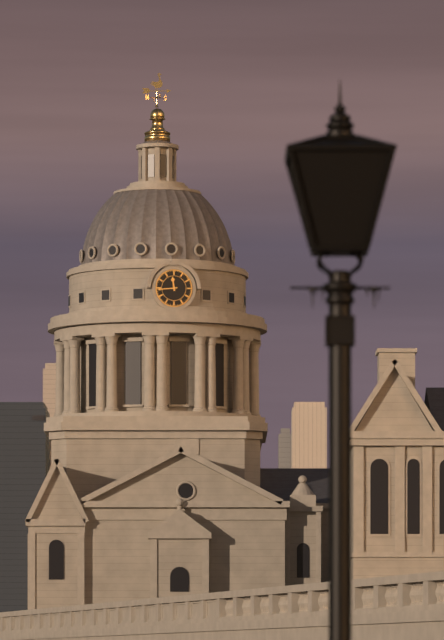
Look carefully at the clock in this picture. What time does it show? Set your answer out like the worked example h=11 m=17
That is h=11 m=44
